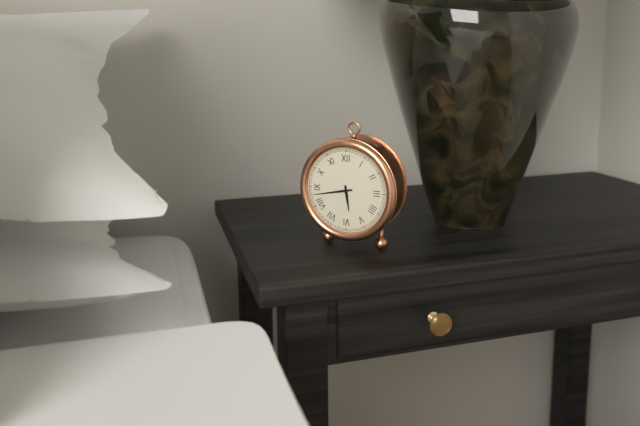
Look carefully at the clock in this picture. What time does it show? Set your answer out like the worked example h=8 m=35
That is h=5 m=43
